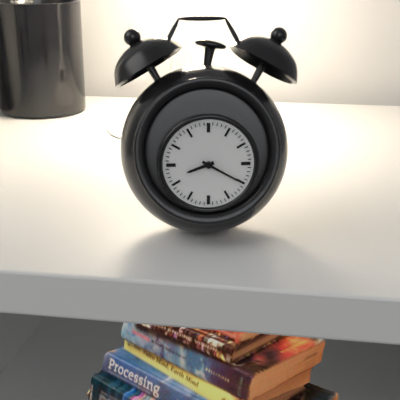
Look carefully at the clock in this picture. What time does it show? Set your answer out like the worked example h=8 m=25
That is h=8 m=20
